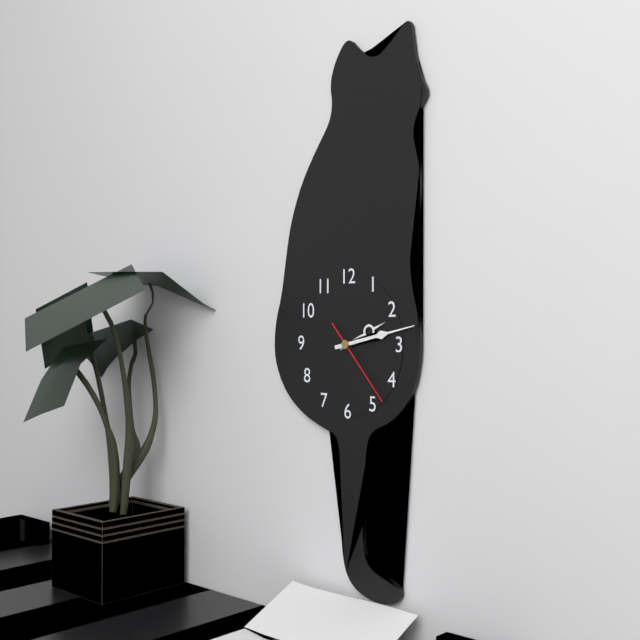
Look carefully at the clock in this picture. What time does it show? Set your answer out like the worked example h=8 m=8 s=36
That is h=2 m=13 s=23
